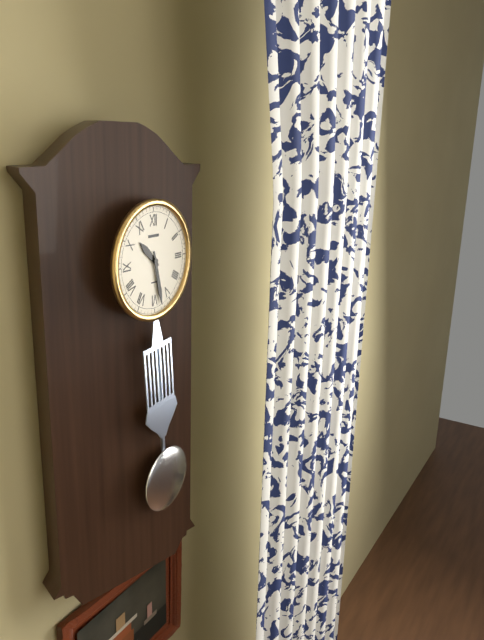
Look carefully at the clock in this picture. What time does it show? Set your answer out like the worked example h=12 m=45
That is h=10 m=28
